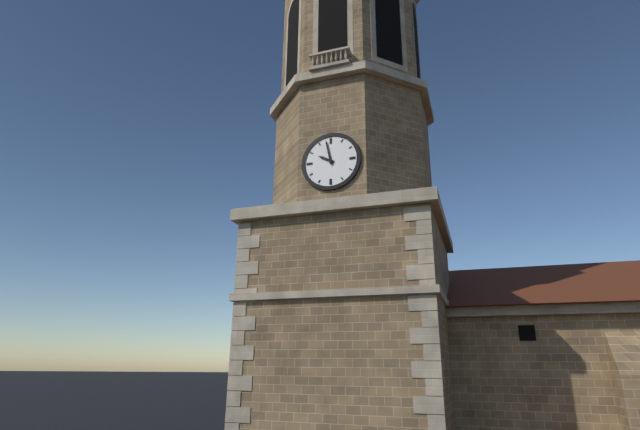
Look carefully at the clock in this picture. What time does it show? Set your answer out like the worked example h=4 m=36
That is h=9 m=58
